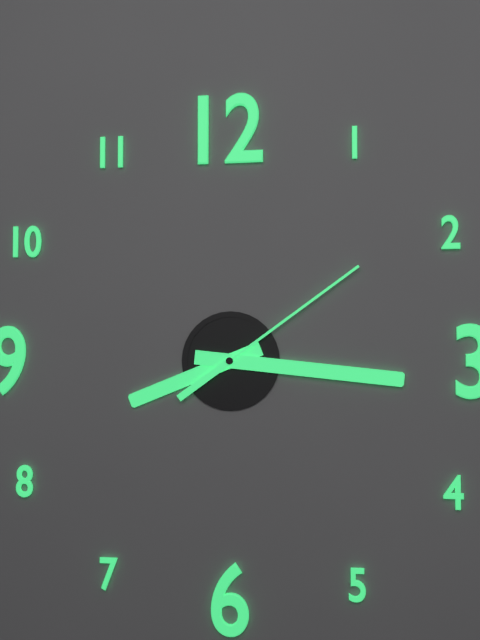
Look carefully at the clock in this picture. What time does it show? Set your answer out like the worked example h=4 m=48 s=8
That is h=8 m=16 s=9
